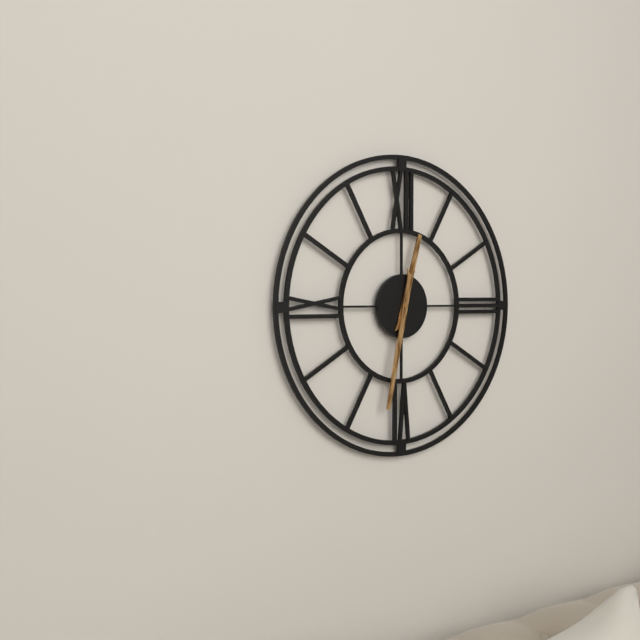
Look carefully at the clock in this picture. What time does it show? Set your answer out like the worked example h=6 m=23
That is h=12 m=32
